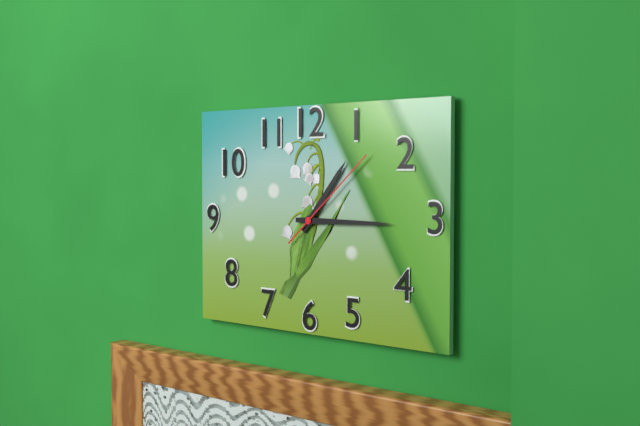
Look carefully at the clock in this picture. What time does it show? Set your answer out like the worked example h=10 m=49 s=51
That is h=1 m=15 s=8
